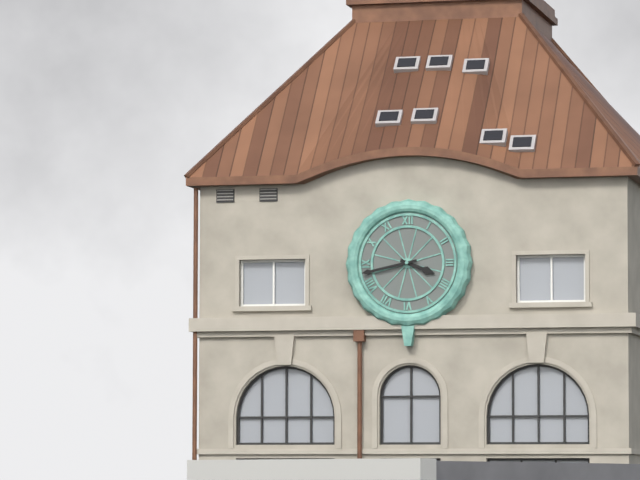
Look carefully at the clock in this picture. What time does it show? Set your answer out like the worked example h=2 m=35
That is h=3 m=43
